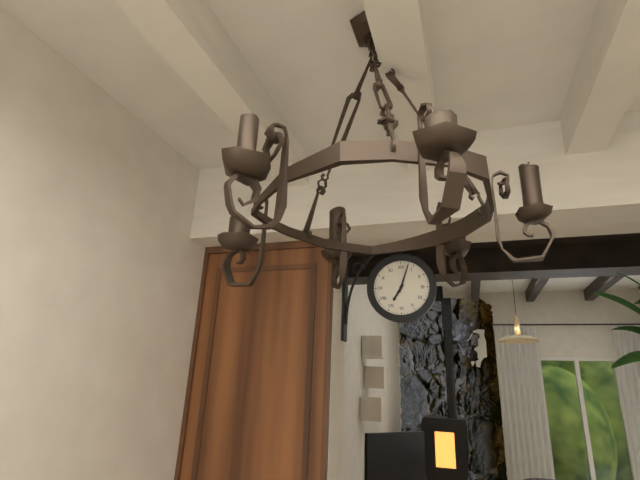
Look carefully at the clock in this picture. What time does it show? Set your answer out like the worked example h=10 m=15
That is h=7 m=3
